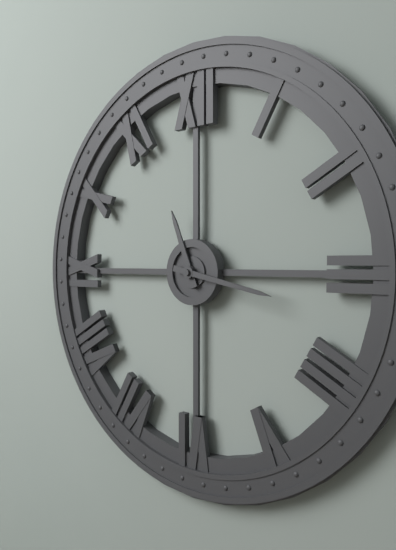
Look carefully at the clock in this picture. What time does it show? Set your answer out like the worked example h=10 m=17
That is h=11 m=17
